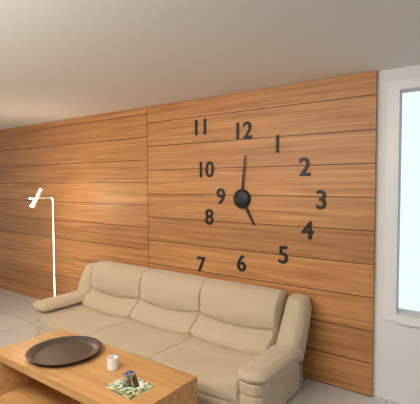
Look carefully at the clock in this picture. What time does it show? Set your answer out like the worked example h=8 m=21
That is h=5 m=1
